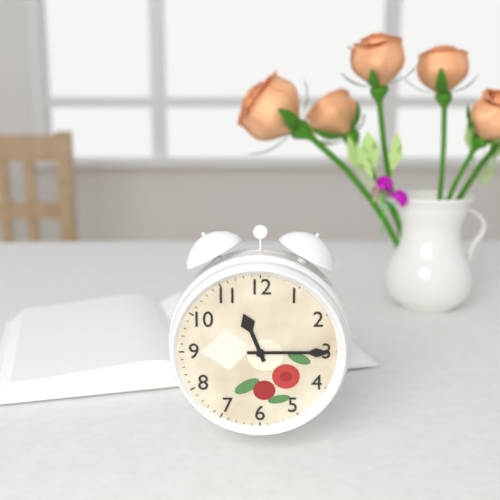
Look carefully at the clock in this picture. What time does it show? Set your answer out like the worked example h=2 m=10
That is h=11 m=15
